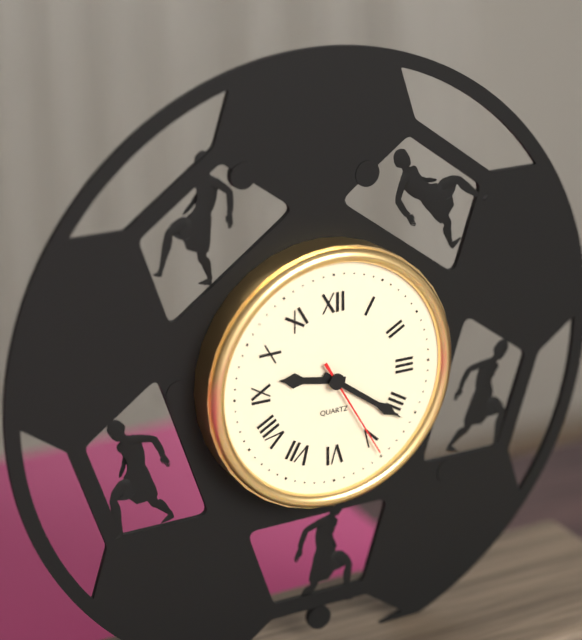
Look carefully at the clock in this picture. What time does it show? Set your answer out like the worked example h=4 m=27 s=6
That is h=9 m=21 s=25
